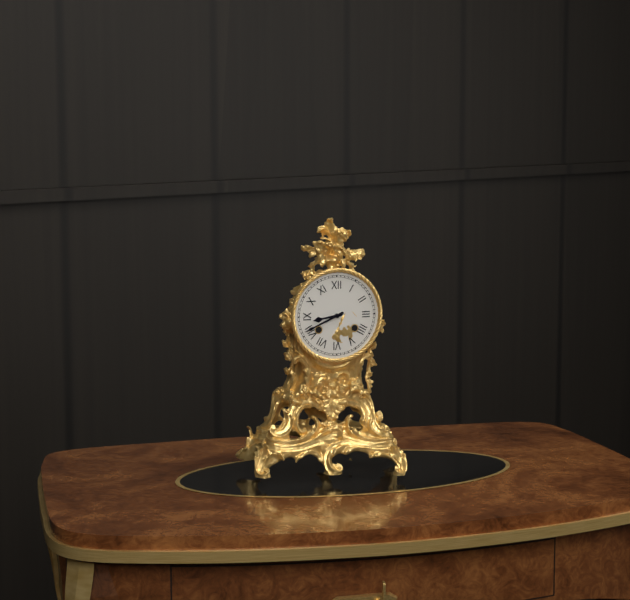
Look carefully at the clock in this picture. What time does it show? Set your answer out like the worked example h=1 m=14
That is h=8 m=41
